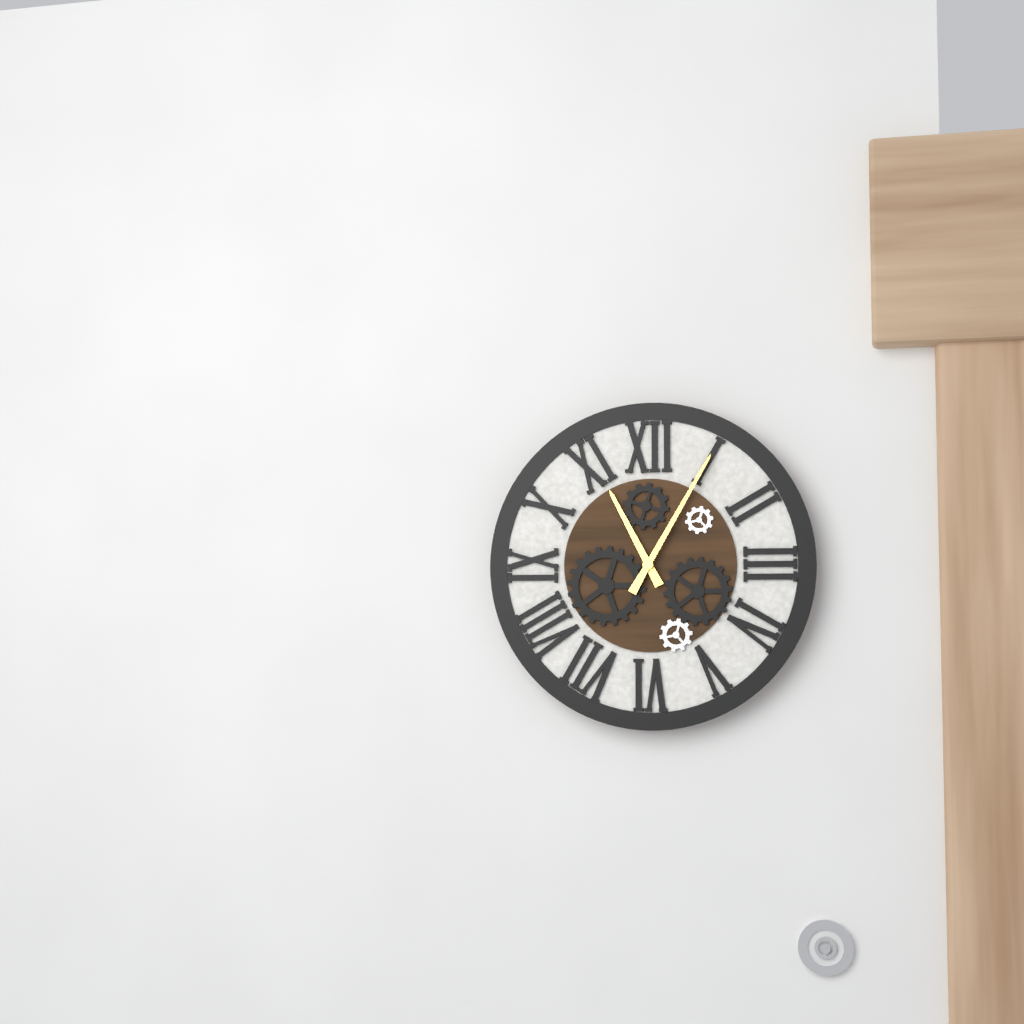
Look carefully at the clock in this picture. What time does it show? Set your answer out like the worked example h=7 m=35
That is h=11 m=5
